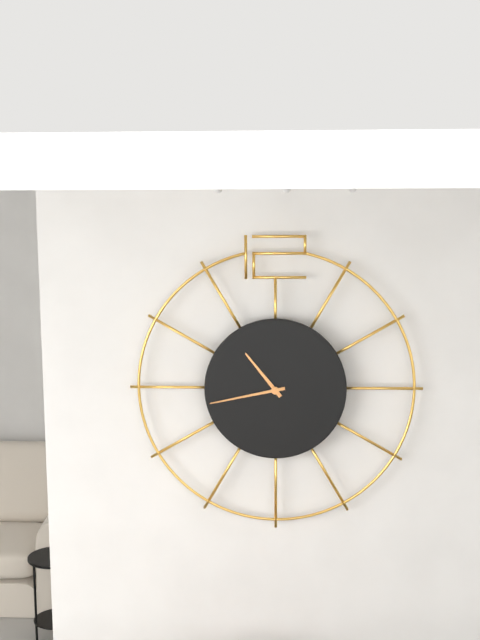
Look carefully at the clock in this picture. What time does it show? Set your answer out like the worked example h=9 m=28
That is h=10 m=43
